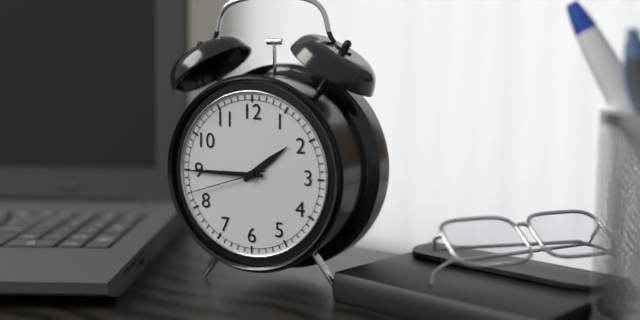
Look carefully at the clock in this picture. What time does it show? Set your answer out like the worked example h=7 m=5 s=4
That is h=1 m=45 s=42
